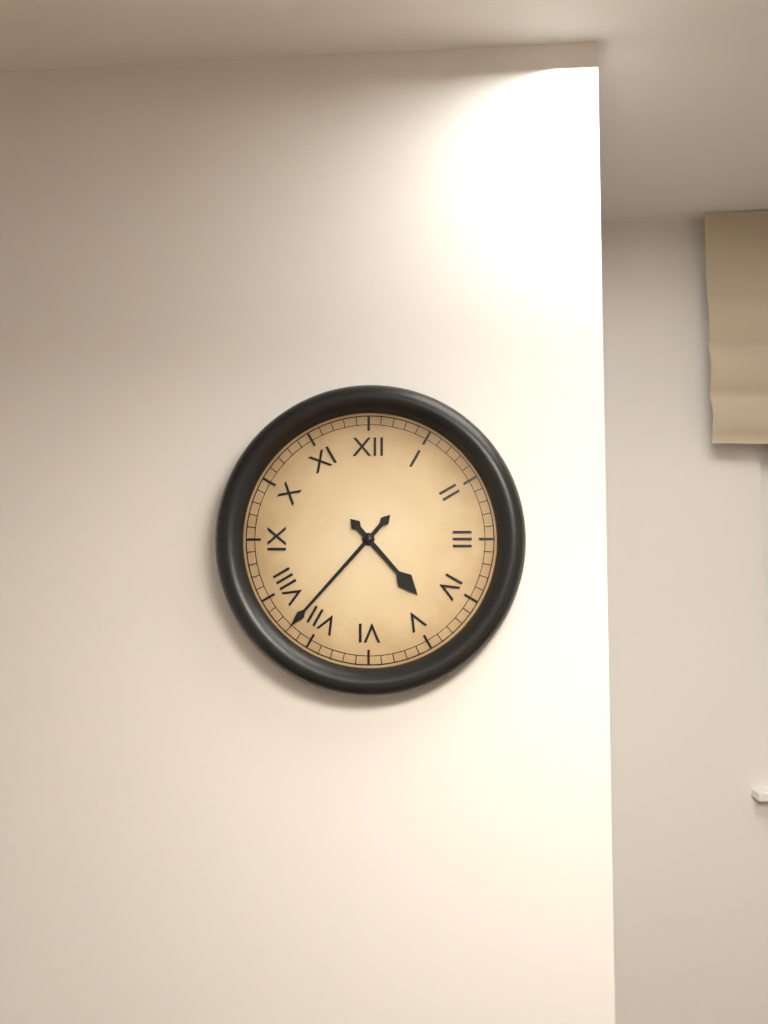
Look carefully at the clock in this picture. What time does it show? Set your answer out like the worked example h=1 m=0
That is h=4 m=37
